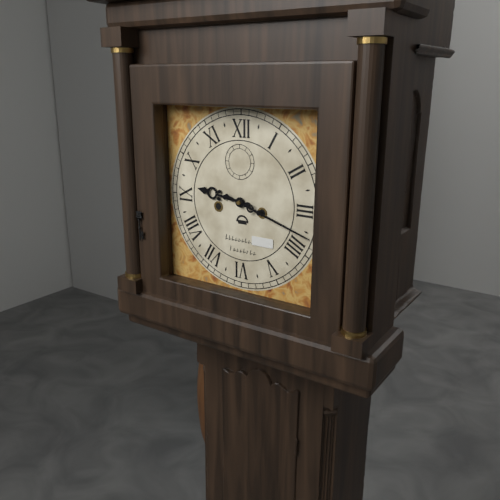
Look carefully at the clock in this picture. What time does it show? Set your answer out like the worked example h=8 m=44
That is h=9 m=18
